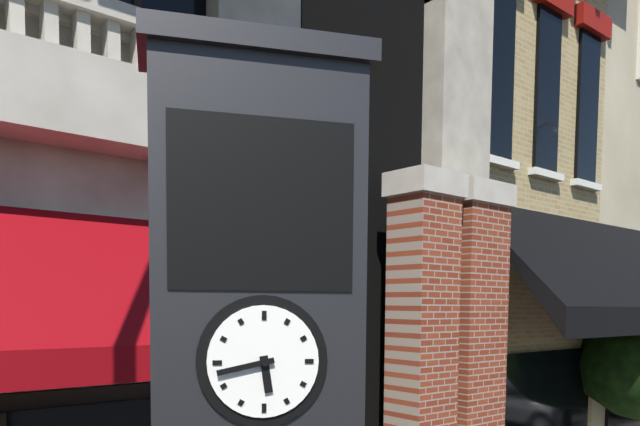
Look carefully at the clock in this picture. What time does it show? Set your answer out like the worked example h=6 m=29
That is h=5 m=43
